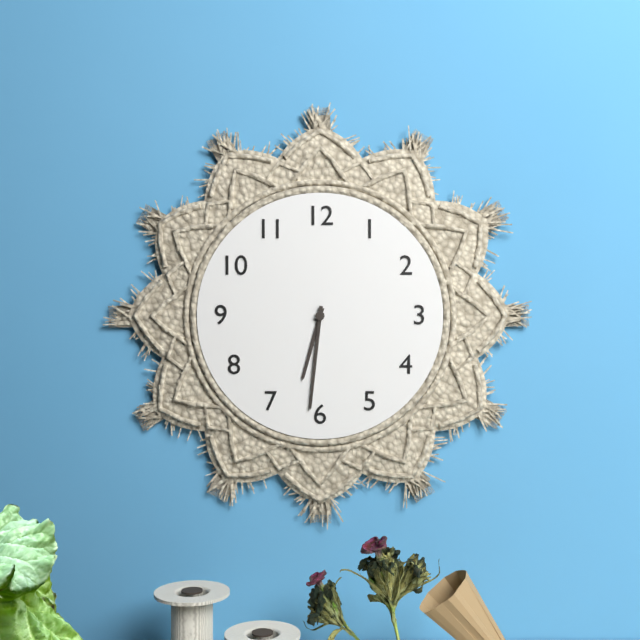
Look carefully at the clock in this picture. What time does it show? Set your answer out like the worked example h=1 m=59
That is h=6 m=31
